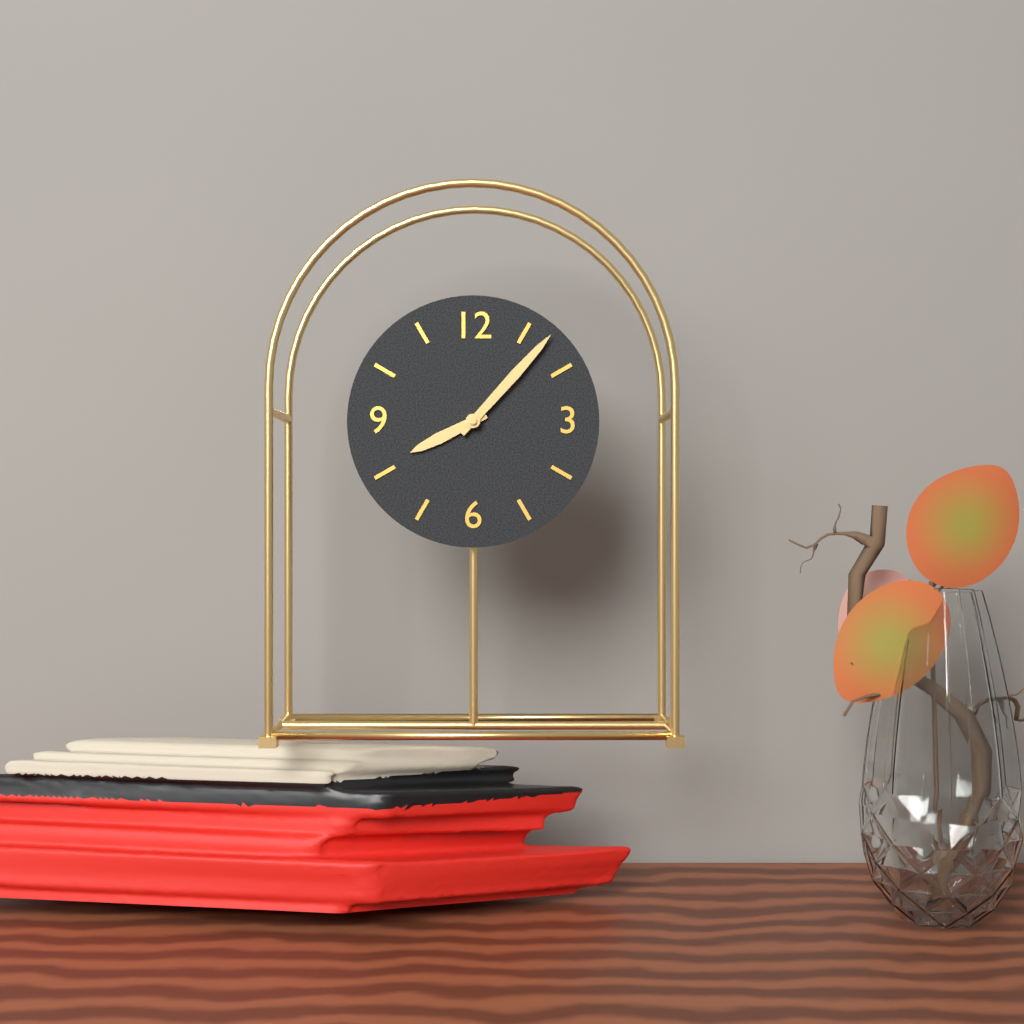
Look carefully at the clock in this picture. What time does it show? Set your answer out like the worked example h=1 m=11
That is h=8 m=7
